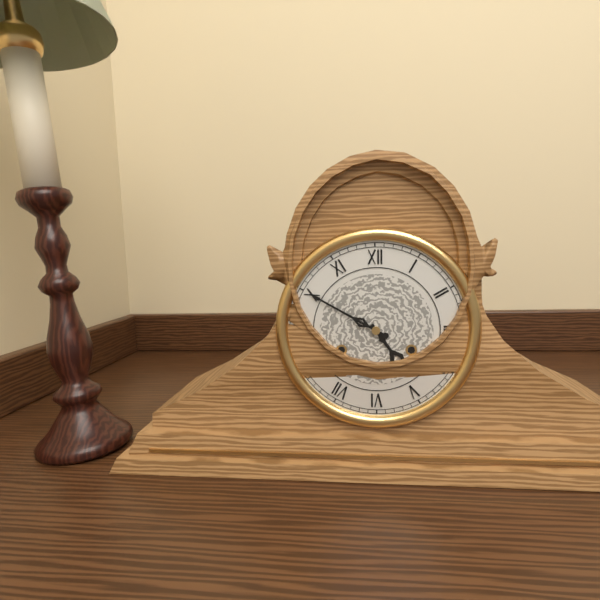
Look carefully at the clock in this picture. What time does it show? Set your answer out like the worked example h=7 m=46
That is h=4 m=50
